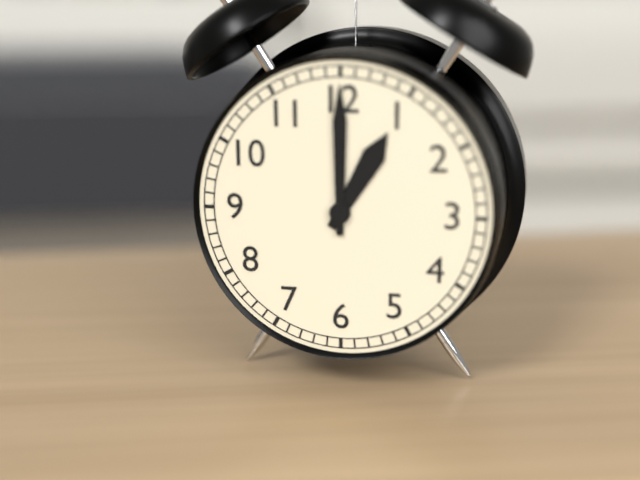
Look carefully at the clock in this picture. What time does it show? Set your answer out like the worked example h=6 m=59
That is h=1 m=0
